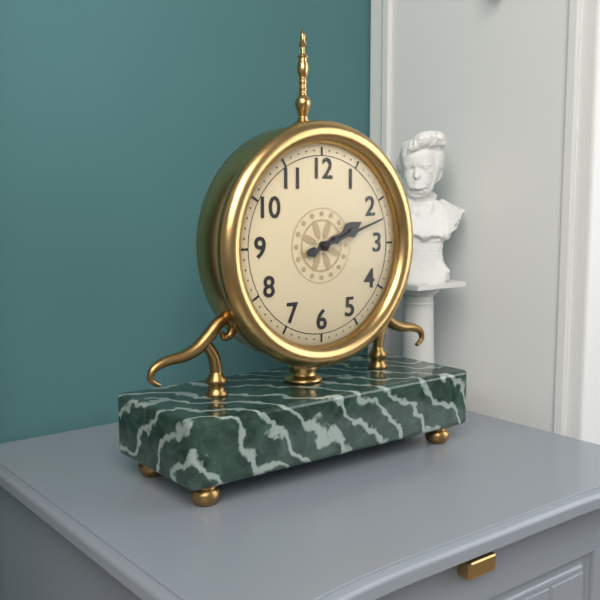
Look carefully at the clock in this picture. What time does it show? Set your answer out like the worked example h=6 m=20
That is h=2 m=12
